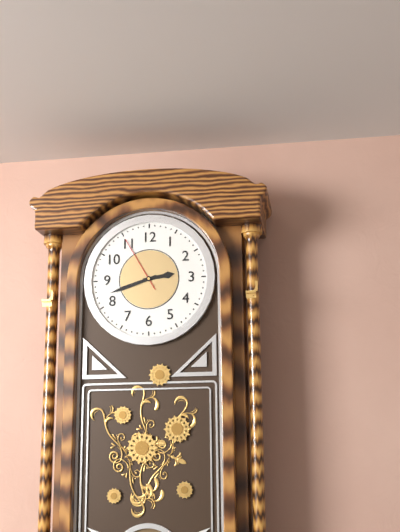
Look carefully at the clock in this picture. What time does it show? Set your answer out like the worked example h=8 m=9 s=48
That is h=2 m=42 s=55
